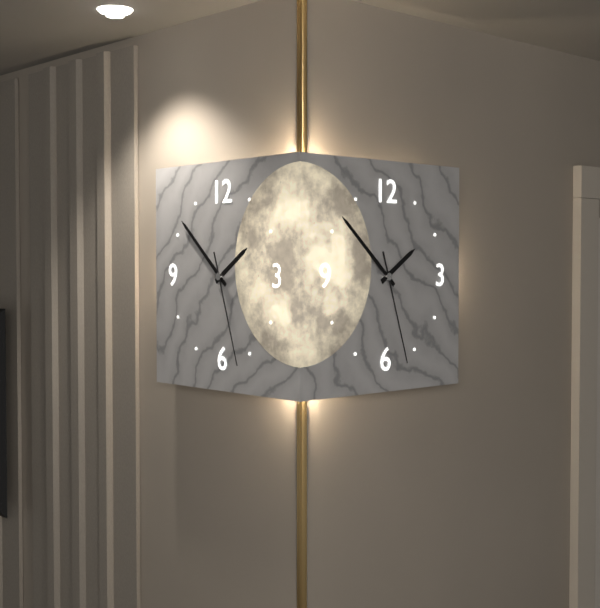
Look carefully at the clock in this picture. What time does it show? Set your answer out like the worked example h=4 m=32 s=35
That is h=1 m=52 s=27
